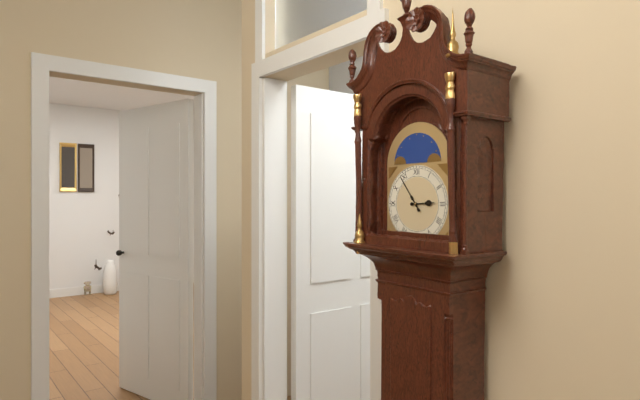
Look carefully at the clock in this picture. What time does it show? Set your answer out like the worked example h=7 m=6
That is h=2 m=54
